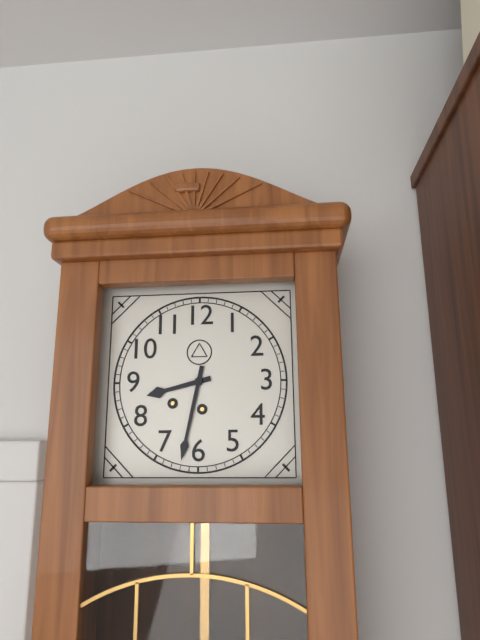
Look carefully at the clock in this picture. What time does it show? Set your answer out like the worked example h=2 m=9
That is h=8 m=32
